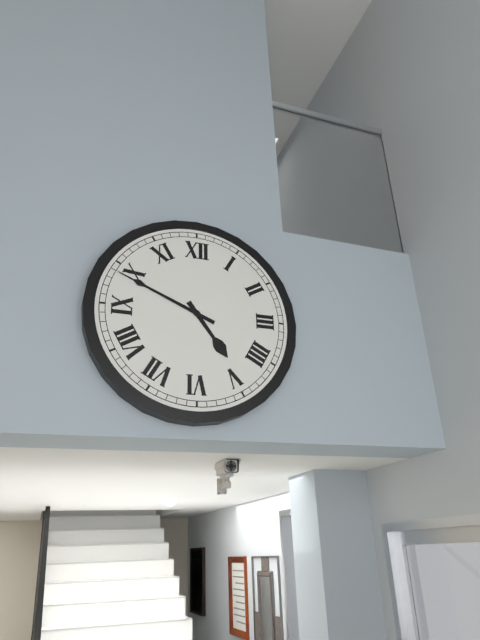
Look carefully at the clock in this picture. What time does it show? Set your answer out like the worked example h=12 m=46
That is h=4 m=49
